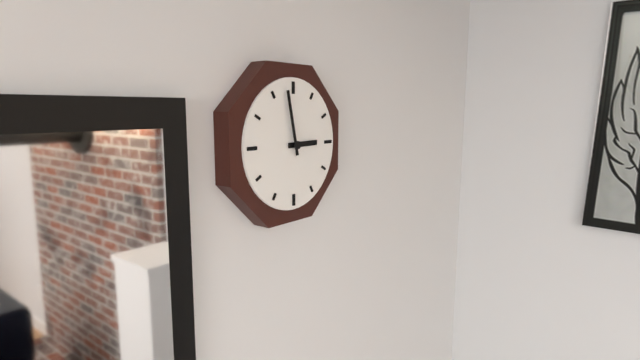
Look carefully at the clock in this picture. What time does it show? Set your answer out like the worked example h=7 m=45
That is h=2 m=58
